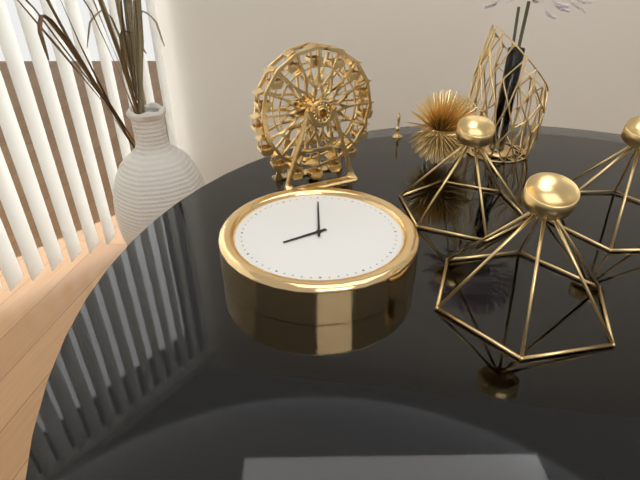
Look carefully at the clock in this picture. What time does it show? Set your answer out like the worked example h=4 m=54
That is h=8 m=0
